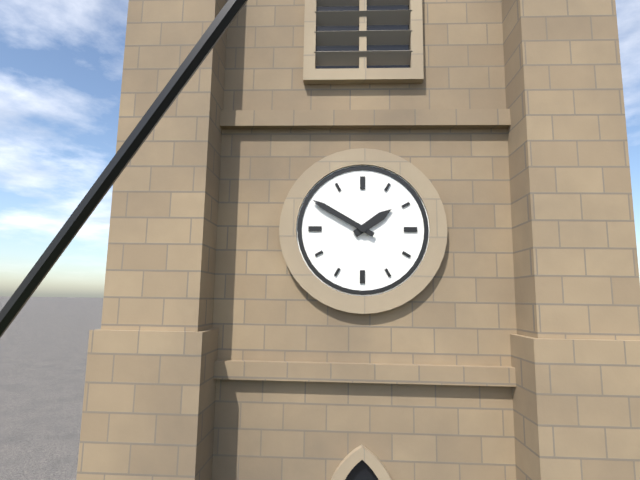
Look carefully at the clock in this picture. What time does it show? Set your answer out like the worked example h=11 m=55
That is h=1 m=50
